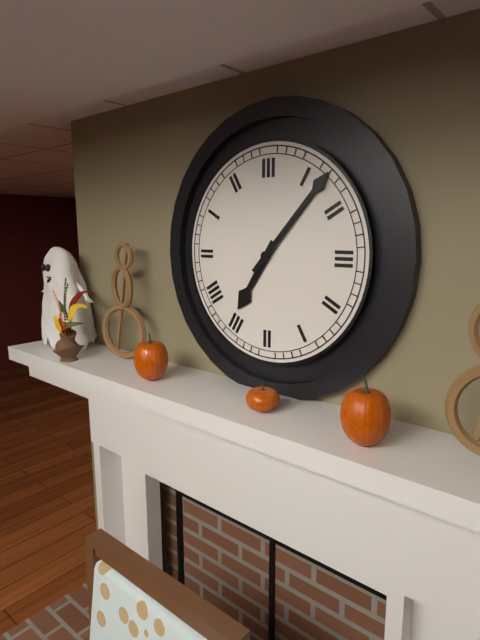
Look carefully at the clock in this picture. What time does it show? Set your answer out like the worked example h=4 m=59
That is h=7 m=7
